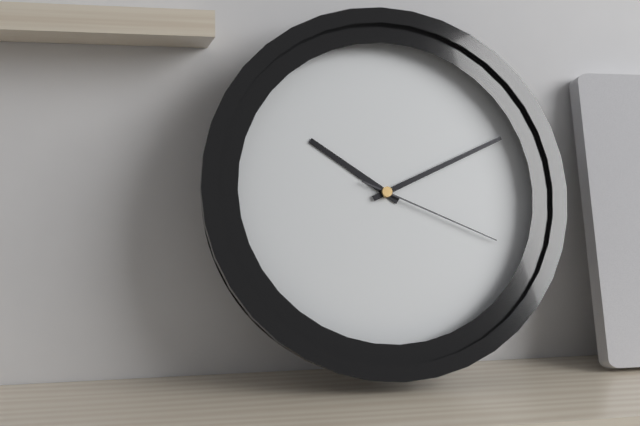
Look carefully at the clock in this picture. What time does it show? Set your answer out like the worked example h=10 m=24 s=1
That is h=10 m=11 s=19
